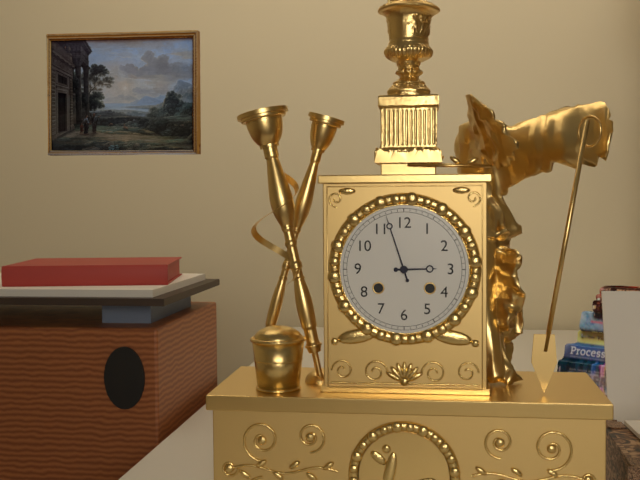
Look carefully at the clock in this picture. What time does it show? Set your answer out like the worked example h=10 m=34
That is h=2 m=57
